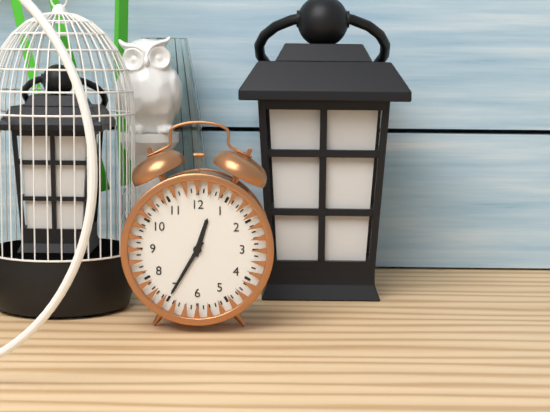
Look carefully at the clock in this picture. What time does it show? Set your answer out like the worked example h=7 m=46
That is h=12 m=35
